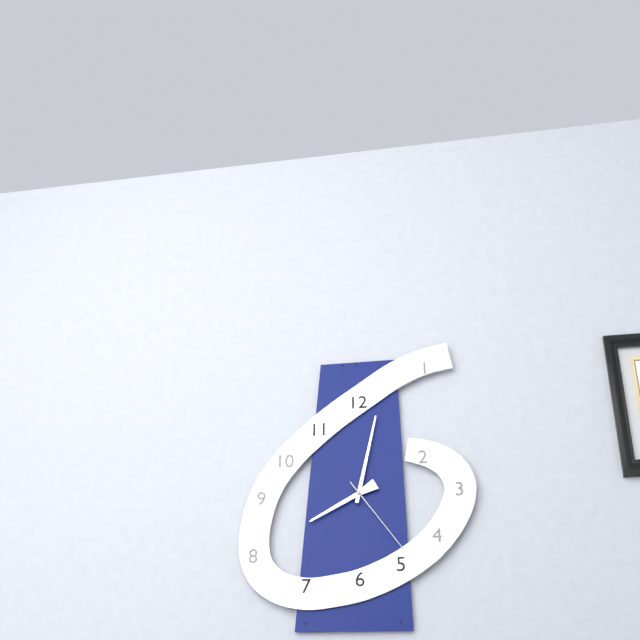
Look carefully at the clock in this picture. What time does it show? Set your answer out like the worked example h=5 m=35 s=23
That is h=8 m=2 s=24
